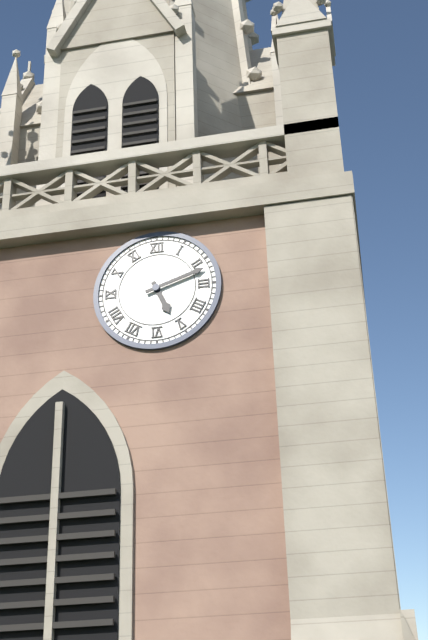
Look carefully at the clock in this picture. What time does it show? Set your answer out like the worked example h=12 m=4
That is h=5 m=12
